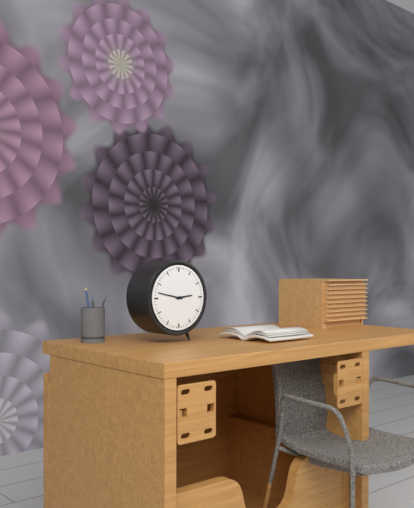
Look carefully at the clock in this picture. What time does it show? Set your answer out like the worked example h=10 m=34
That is h=2 m=47
